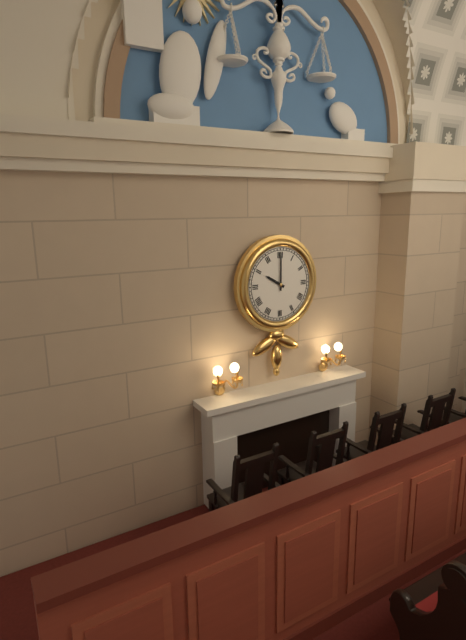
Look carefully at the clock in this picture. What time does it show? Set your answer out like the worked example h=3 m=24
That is h=10 m=0
